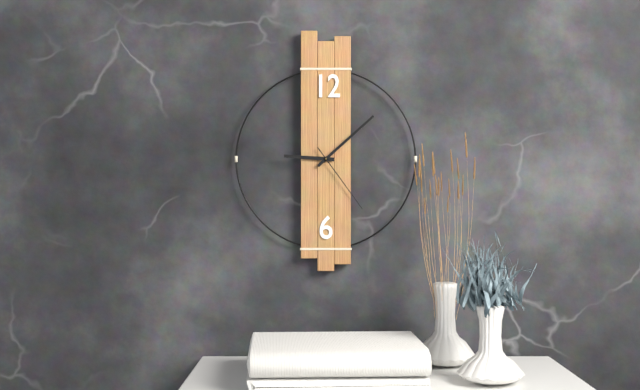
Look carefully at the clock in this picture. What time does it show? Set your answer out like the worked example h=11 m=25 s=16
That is h=9 m=8 s=24
